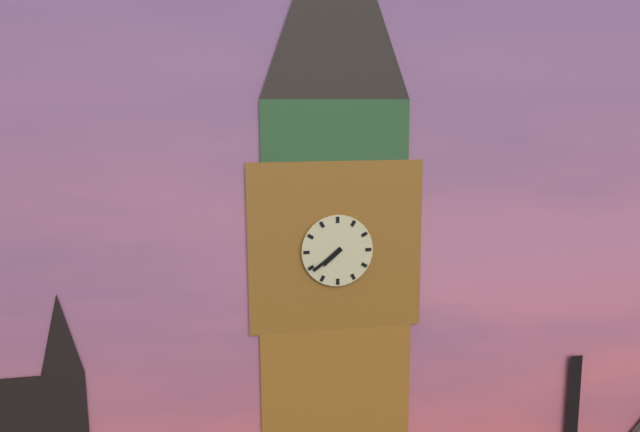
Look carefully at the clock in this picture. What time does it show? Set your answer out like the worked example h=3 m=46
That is h=7 m=39
